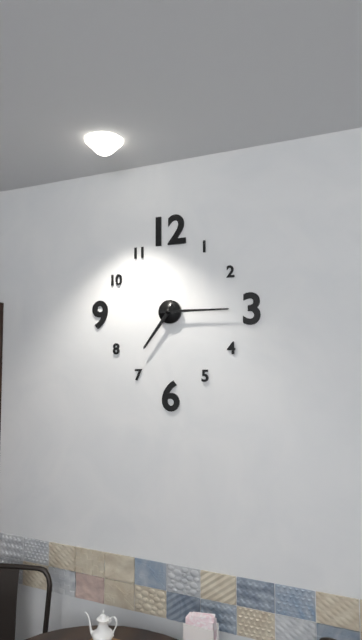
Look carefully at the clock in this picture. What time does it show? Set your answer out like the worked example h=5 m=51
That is h=7 m=15
